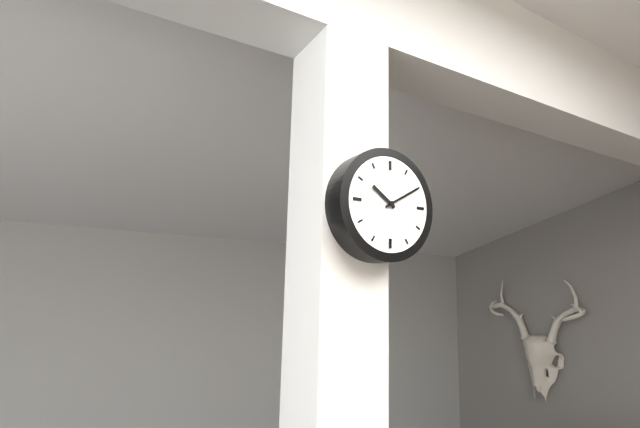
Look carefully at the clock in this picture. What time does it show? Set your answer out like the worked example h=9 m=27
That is h=10 m=10
